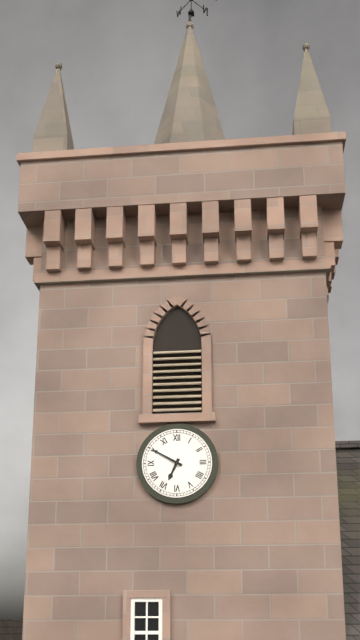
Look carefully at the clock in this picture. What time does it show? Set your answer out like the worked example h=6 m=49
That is h=6 m=50
